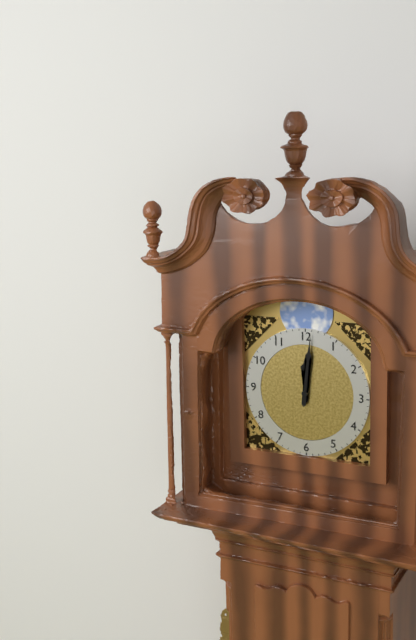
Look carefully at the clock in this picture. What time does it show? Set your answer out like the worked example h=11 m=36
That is h=12 m=1
